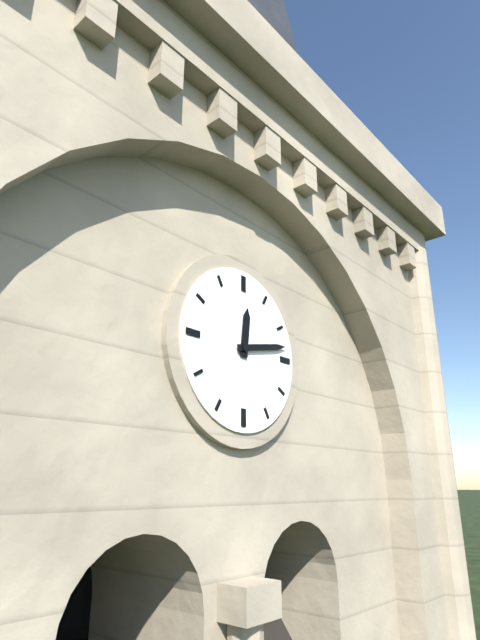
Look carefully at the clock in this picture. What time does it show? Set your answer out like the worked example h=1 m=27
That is h=12 m=13
